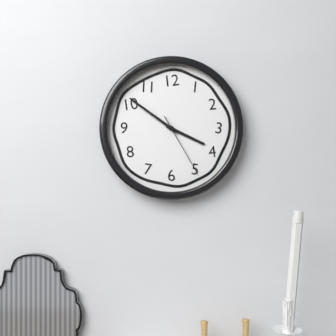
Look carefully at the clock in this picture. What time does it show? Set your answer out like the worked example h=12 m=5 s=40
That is h=3 m=51 s=25
